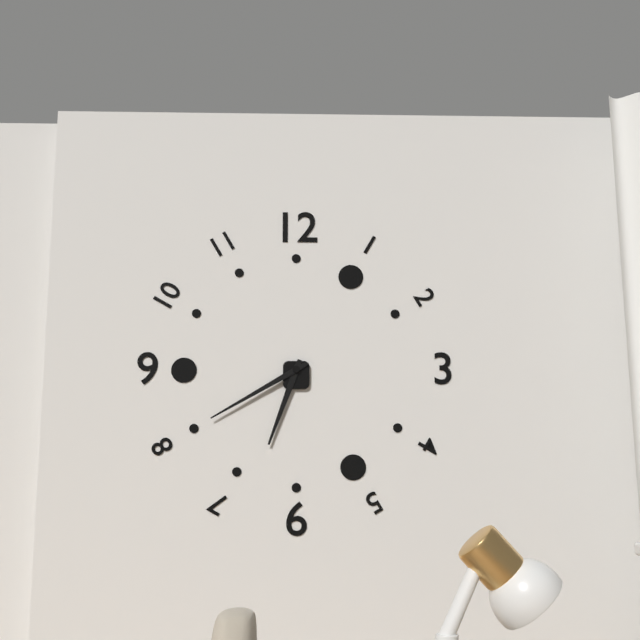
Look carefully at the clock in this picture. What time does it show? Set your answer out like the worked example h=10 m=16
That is h=6 m=40
